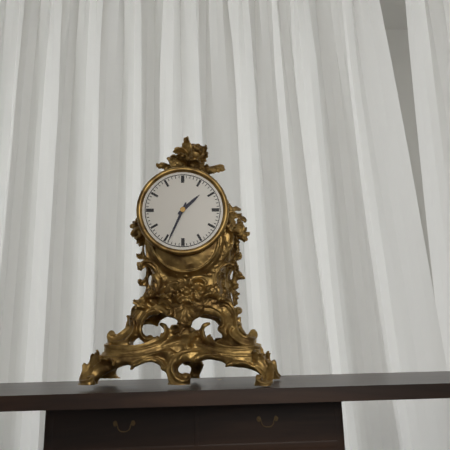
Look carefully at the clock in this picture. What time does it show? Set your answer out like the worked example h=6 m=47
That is h=1 m=34
